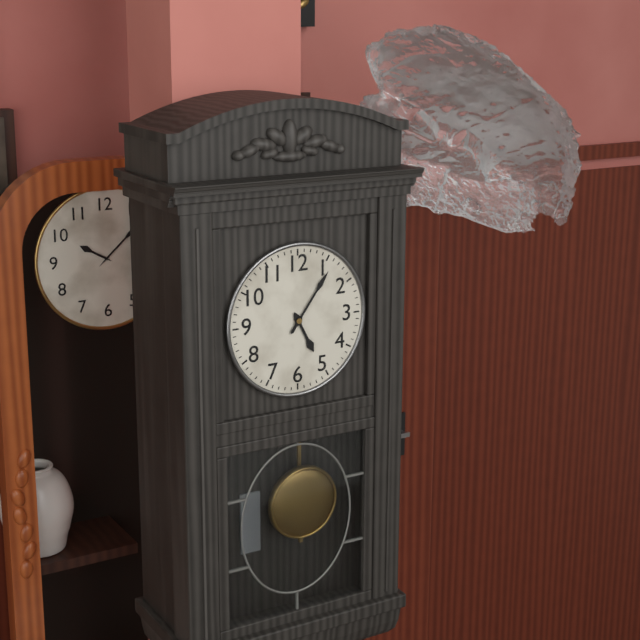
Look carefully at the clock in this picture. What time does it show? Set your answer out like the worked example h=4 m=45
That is h=5 m=6
